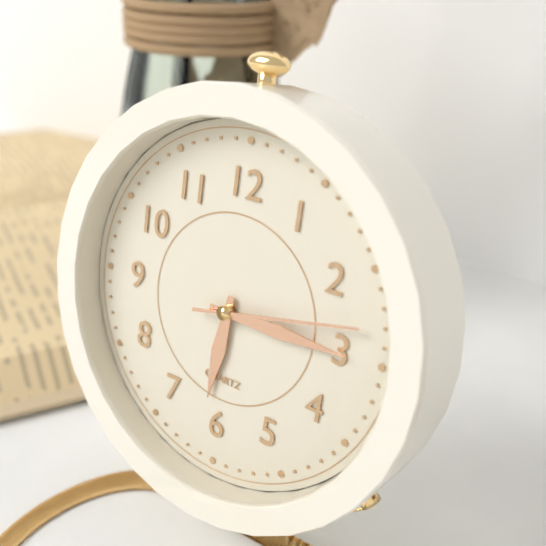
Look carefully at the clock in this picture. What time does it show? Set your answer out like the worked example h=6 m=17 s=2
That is h=6 m=15 s=13
